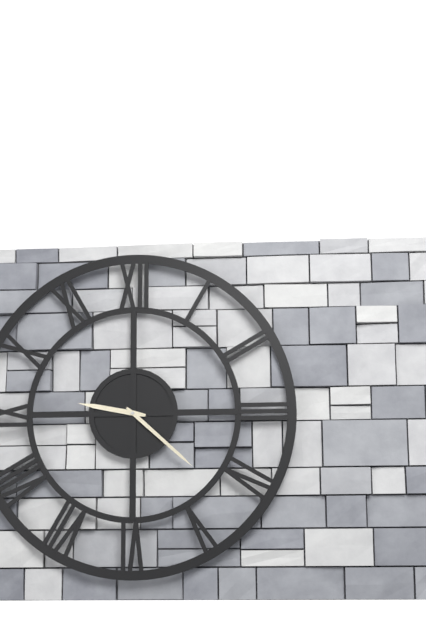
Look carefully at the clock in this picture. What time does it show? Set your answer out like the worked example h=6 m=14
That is h=9 m=22
